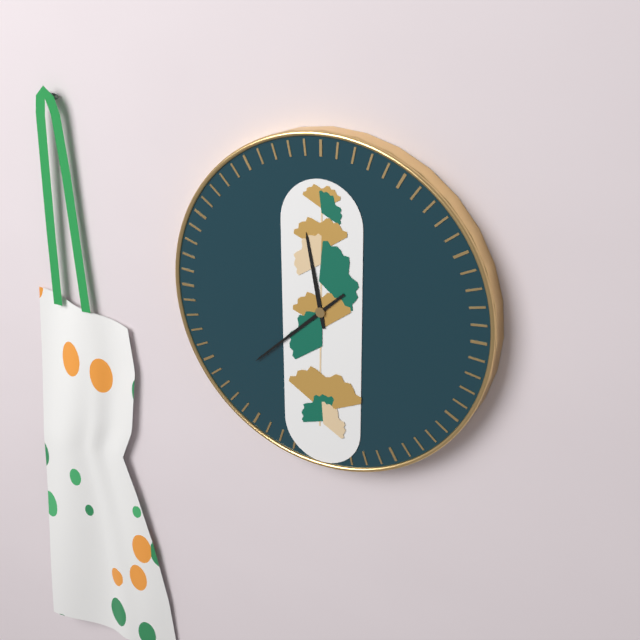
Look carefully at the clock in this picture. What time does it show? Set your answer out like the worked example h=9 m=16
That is h=11 m=38
